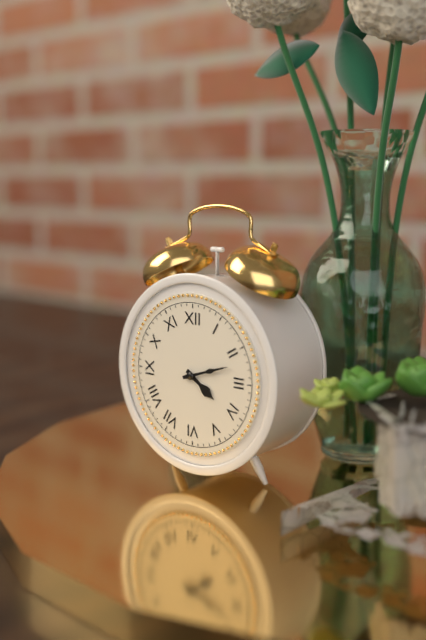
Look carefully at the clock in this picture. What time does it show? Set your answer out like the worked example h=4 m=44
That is h=4 m=12
